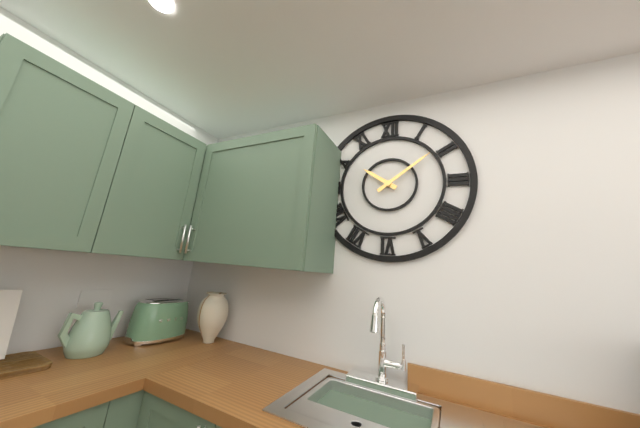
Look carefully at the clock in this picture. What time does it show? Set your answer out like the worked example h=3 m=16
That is h=10 m=9
